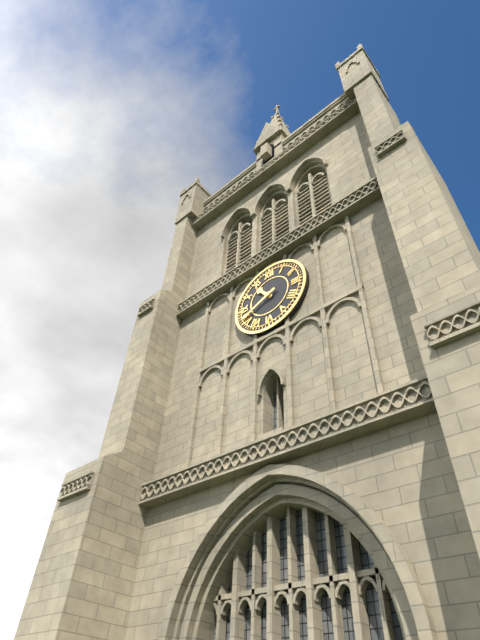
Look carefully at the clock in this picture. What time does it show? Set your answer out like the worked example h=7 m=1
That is h=10 m=41
